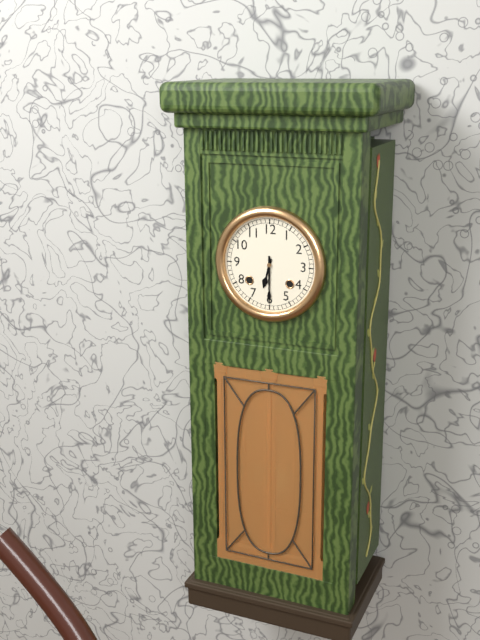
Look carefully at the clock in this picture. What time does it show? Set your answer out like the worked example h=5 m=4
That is h=6 m=30
